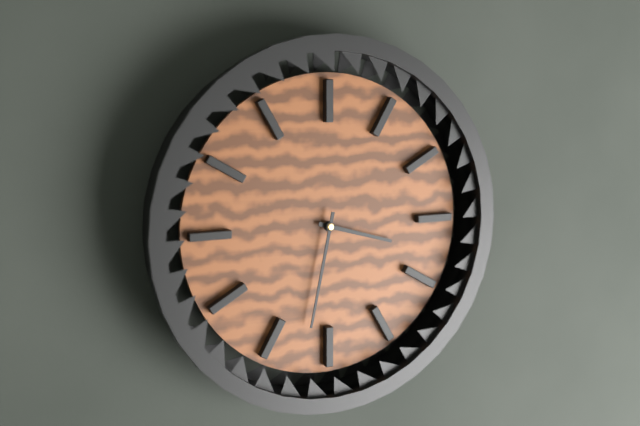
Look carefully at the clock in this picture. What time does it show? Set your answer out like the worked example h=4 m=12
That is h=3 m=32
